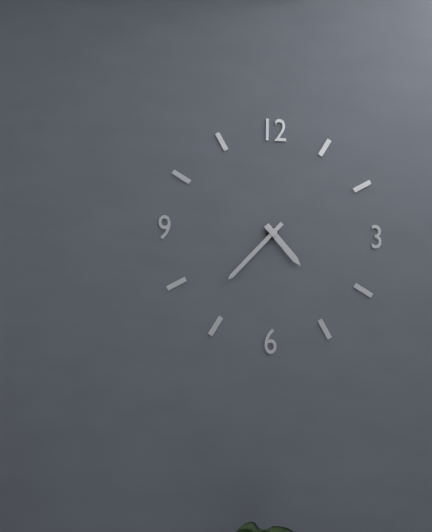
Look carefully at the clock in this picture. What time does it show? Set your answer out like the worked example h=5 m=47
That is h=4 m=37
